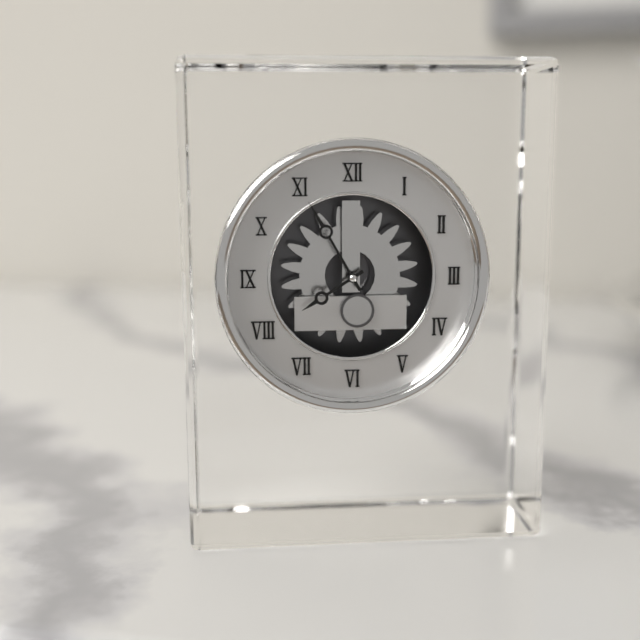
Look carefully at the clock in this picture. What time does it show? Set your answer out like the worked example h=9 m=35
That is h=7 m=55
